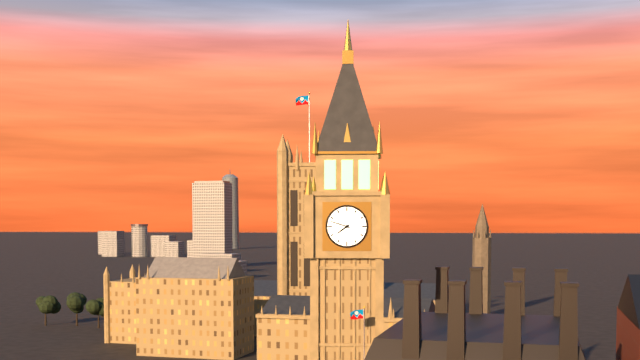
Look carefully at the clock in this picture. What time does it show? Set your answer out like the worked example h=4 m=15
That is h=7 m=48
